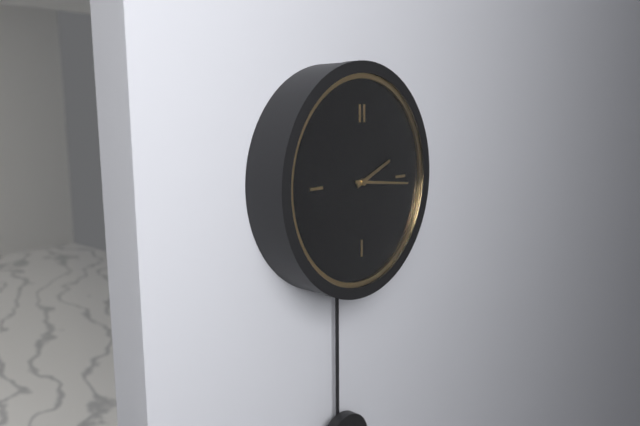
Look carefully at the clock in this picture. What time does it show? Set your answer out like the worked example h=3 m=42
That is h=2 m=16
